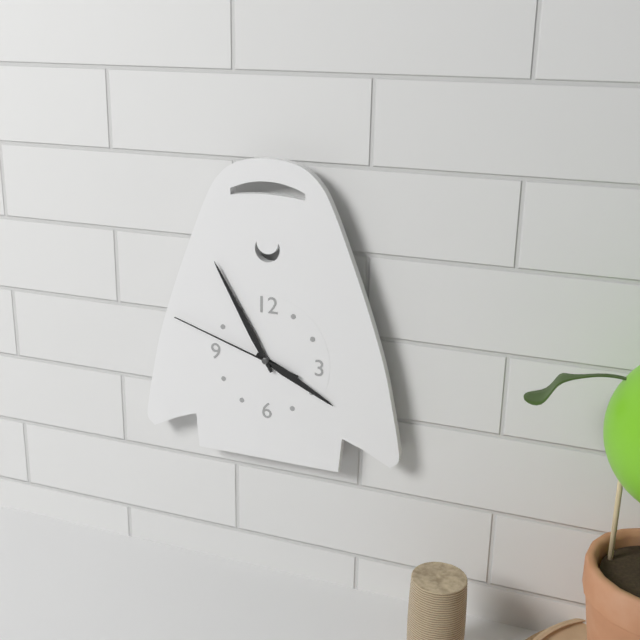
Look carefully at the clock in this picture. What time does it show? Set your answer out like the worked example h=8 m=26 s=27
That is h=3 m=55 s=48
